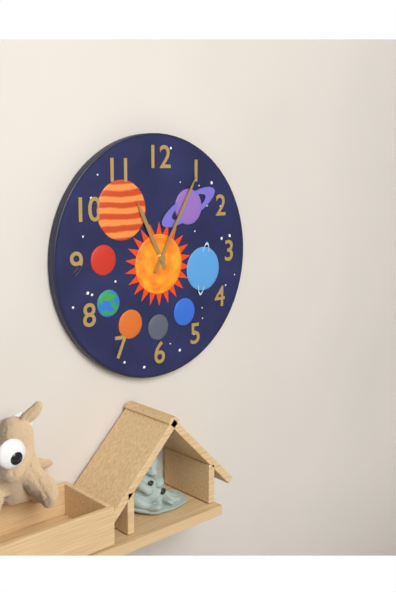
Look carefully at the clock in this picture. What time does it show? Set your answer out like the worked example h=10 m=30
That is h=11 m=5
